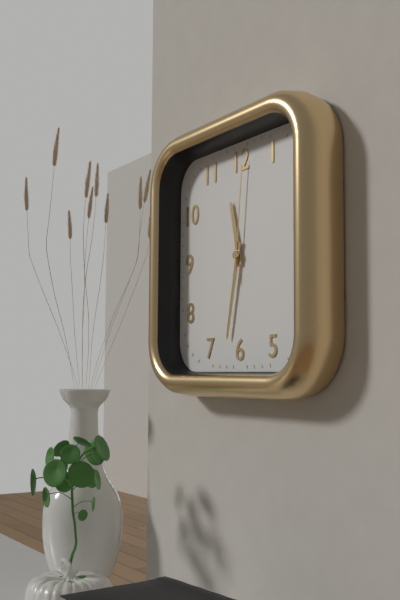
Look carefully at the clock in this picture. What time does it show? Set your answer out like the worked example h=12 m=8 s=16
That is h=11 m=32 s=1
